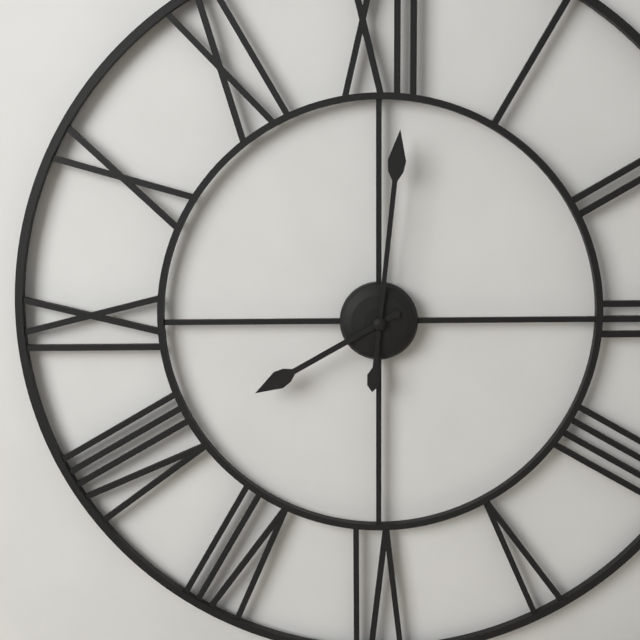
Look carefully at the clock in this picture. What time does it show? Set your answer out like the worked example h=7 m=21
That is h=8 m=1
